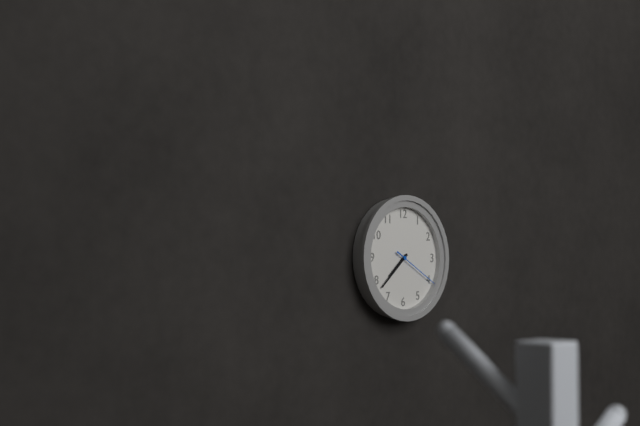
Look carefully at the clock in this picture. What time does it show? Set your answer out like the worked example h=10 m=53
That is h=7 m=38
